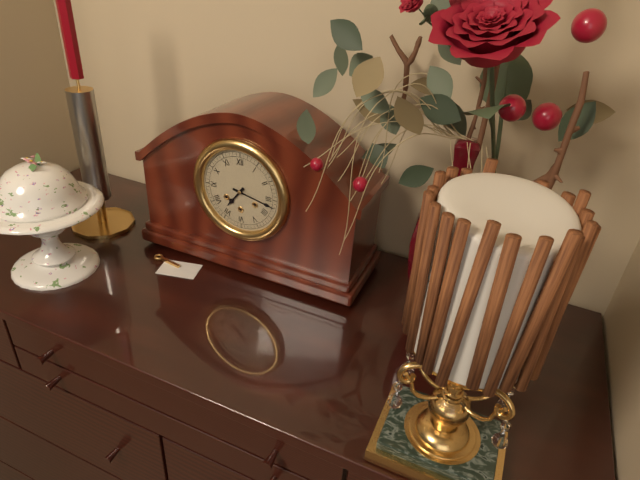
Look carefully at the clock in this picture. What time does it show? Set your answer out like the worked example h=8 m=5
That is h=7 m=17
